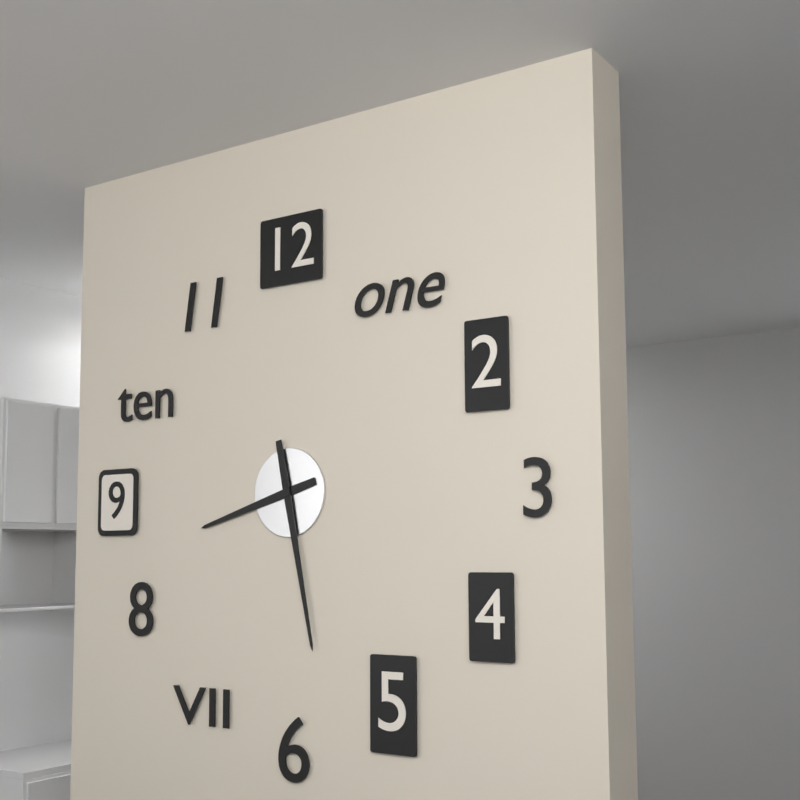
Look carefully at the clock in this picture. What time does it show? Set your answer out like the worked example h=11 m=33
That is h=8 m=28
